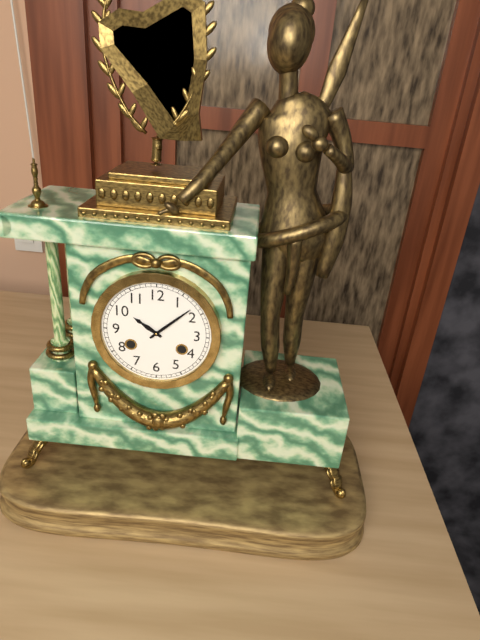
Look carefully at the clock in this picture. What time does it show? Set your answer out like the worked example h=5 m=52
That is h=10 m=8
